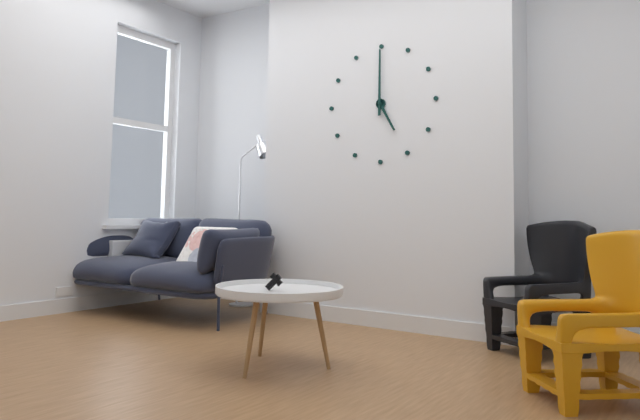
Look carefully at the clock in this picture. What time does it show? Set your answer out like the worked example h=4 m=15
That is h=5 m=0
